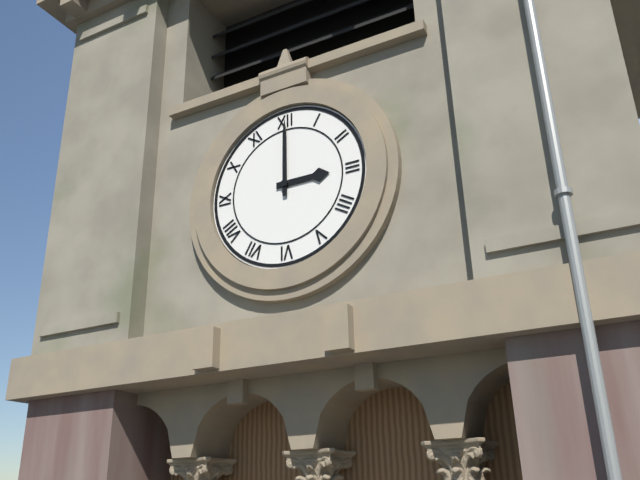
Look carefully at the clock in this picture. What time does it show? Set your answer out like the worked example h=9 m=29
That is h=3 m=0
